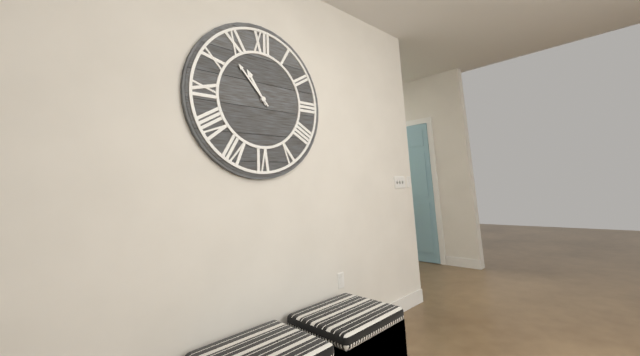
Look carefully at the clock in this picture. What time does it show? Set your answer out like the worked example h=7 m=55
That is h=10 m=53
